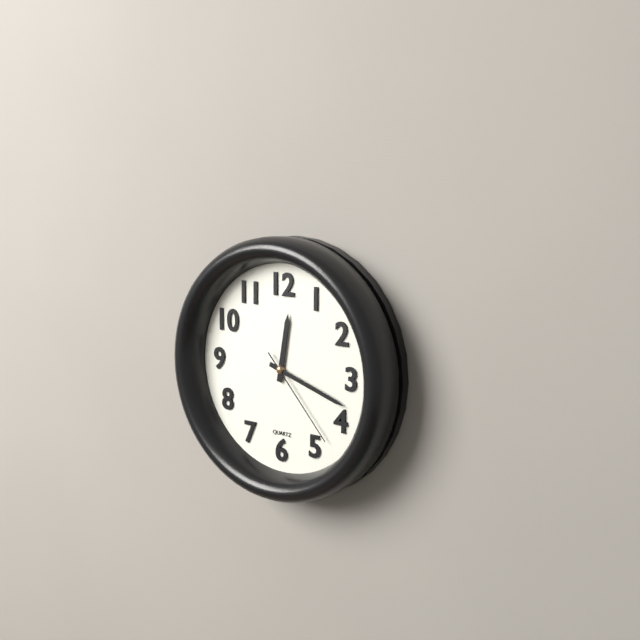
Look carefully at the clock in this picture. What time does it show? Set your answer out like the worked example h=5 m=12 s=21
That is h=12 m=18 s=23
